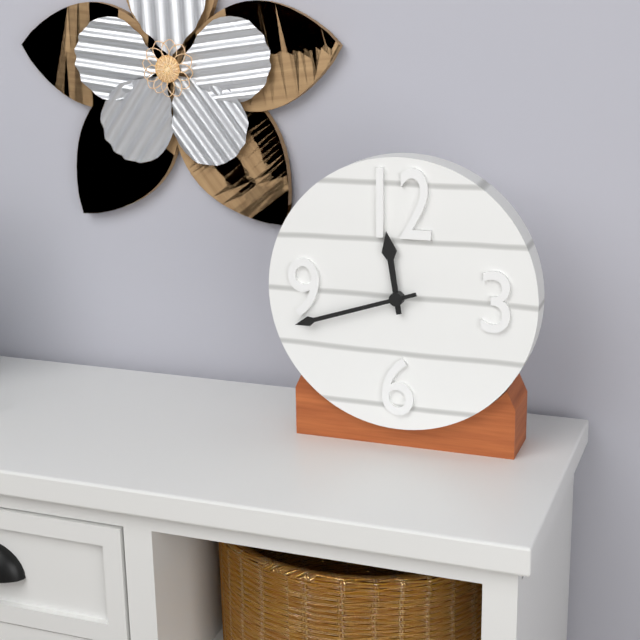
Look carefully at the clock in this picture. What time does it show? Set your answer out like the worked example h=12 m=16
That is h=11 m=42
